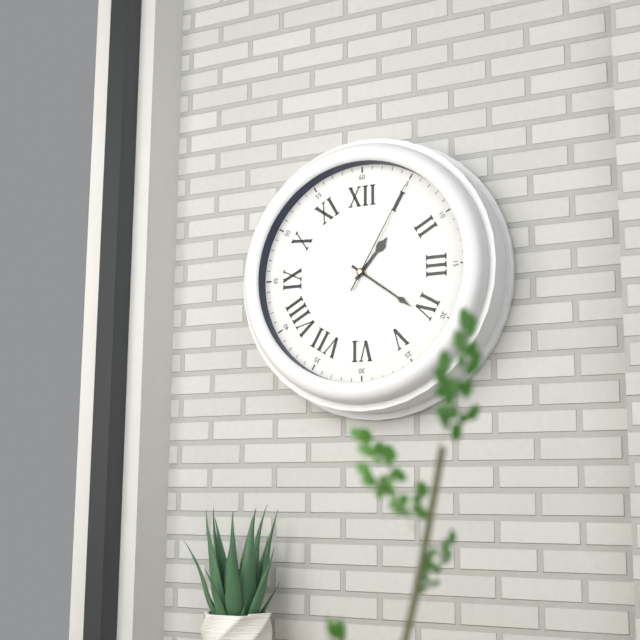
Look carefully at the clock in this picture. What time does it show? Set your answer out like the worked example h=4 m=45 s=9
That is h=1 m=21 s=5
